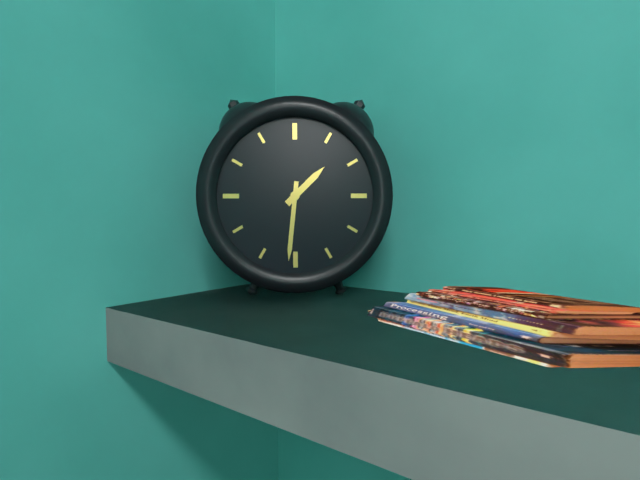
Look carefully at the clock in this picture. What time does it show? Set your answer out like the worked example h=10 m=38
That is h=1 m=31
